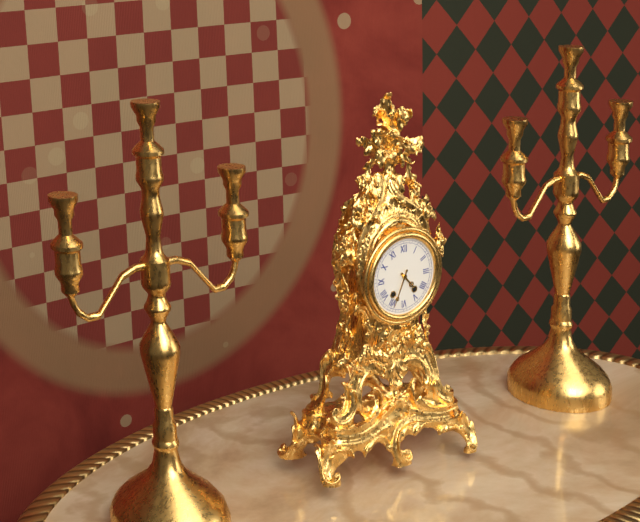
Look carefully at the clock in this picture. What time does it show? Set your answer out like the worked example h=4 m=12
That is h=4 m=34
